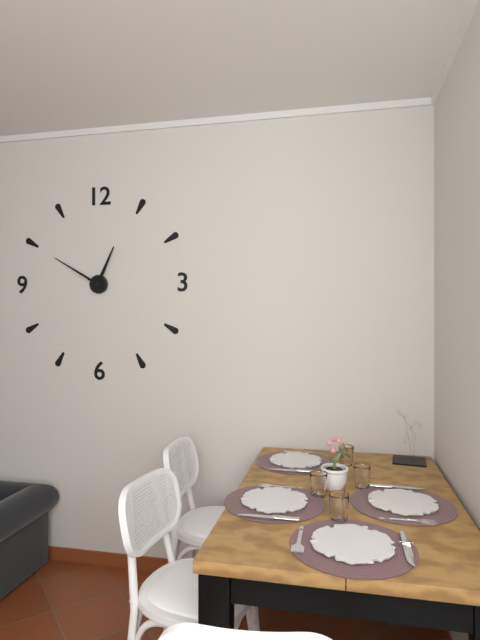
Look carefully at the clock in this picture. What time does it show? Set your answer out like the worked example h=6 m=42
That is h=12 m=50
